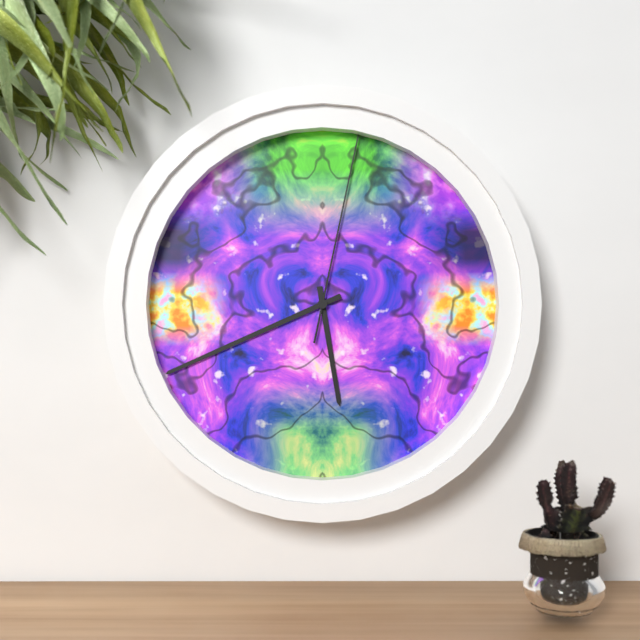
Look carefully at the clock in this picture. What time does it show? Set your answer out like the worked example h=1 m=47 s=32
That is h=5 m=41 s=2
